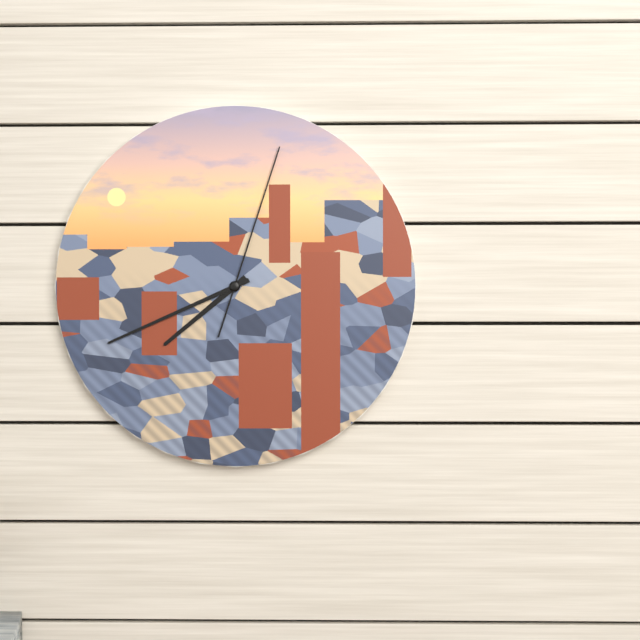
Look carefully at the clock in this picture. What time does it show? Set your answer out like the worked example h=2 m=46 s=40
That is h=7 m=41 s=3
